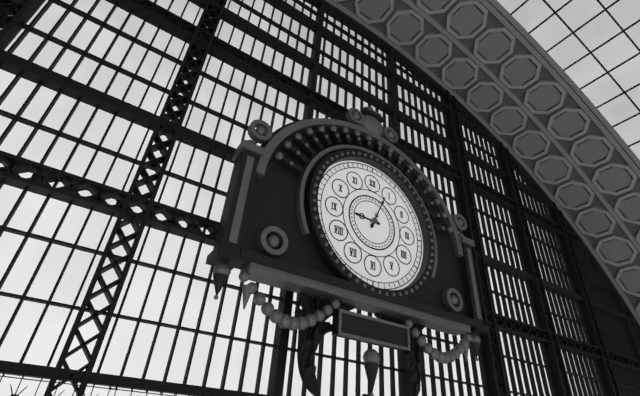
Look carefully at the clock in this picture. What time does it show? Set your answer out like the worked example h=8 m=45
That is h=9 m=4
